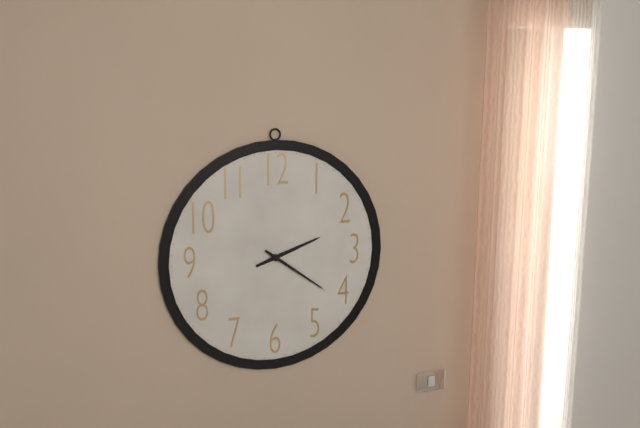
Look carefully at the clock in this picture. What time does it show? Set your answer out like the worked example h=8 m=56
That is h=2 m=21
